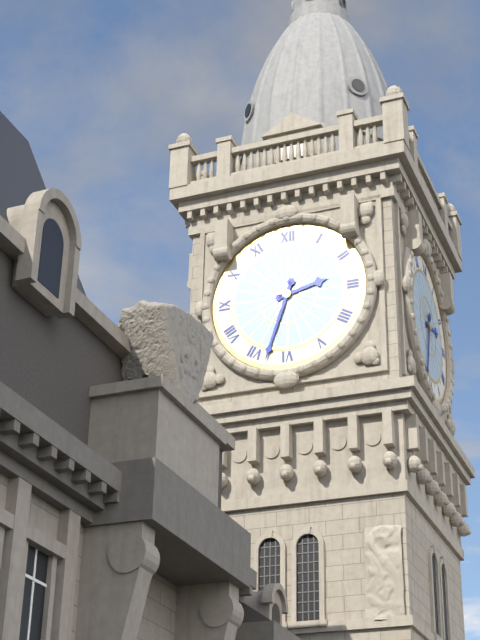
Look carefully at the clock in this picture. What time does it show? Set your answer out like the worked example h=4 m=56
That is h=2 m=33
